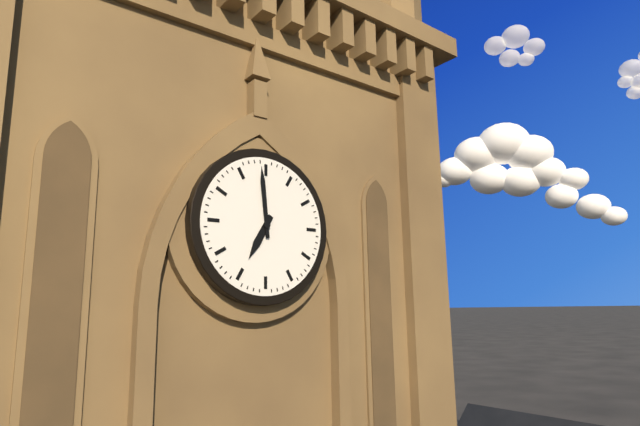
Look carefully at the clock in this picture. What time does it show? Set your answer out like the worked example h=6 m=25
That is h=6 m=59
